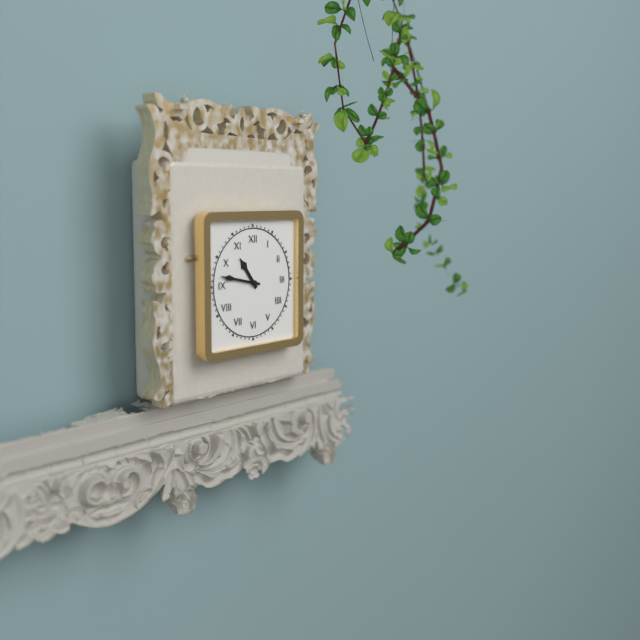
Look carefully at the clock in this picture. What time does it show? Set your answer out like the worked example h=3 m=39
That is h=10 m=47
